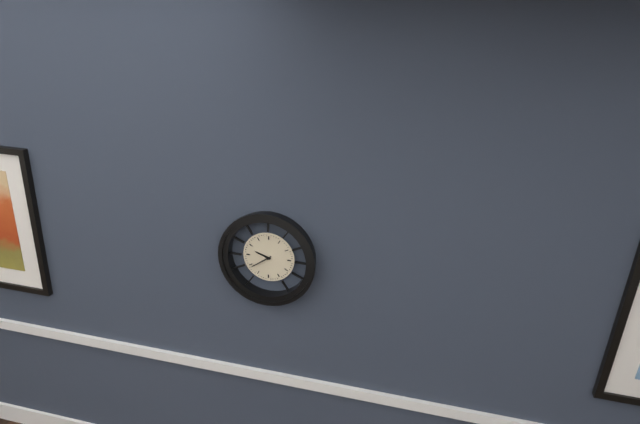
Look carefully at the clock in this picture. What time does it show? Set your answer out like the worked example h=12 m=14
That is h=9 m=39
